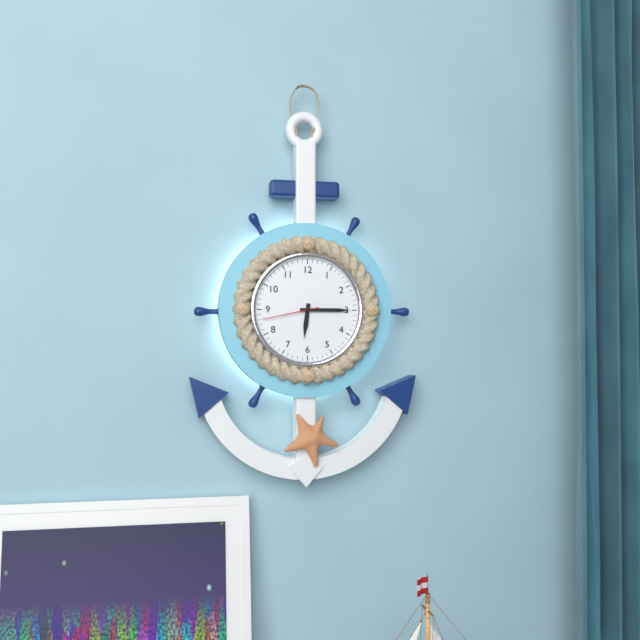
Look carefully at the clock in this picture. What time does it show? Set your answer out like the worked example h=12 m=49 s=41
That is h=6 m=15 s=43
